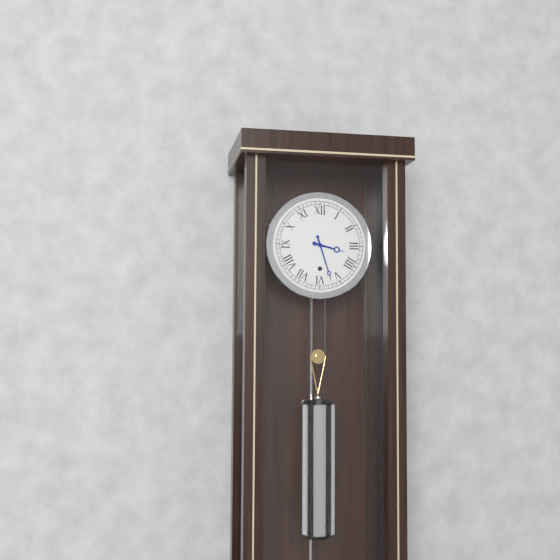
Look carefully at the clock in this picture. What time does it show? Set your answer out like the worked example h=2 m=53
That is h=3 m=27
